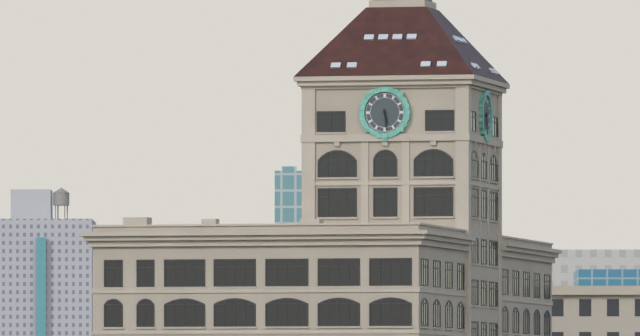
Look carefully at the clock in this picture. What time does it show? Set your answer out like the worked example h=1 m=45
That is h=5 m=29
